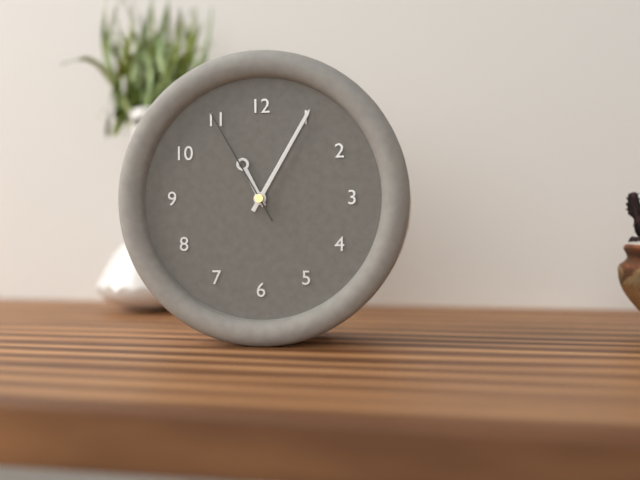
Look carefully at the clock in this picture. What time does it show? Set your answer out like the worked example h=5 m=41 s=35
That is h=11 m=5 s=55
